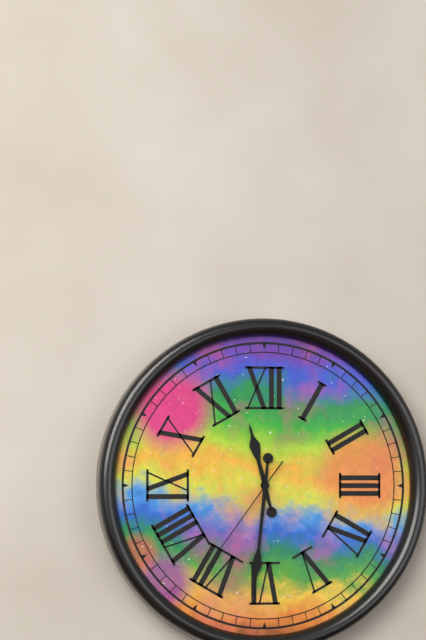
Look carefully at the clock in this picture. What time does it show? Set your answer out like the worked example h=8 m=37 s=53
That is h=11 m=31 s=36
